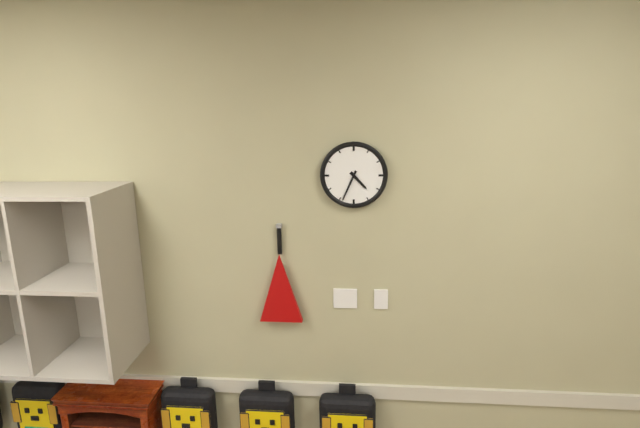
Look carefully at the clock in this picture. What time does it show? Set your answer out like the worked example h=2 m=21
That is h=4 m=34
